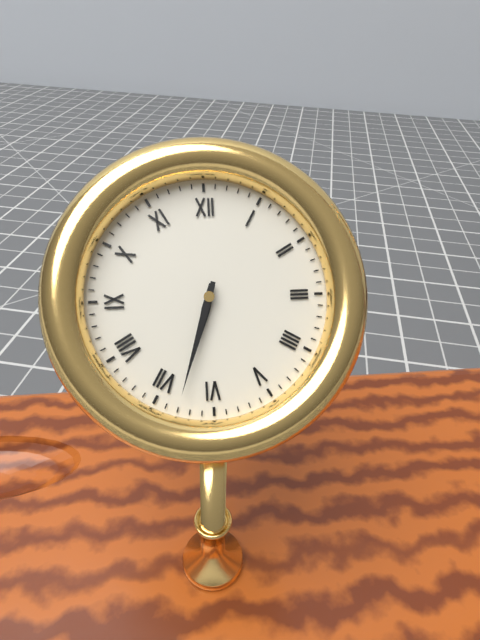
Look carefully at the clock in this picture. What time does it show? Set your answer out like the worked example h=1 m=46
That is h=6 m=33
